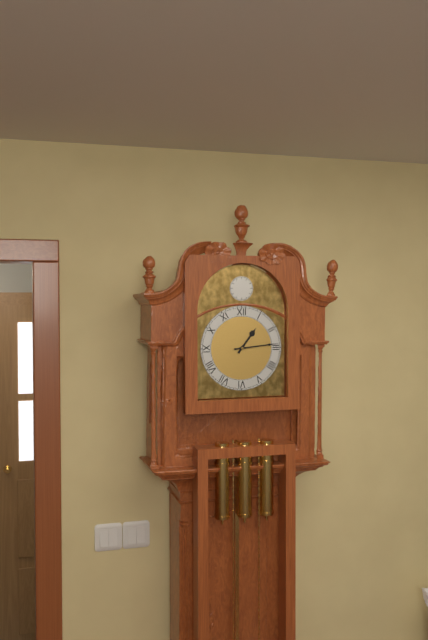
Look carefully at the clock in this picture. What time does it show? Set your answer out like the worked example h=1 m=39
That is h=1 m=14
